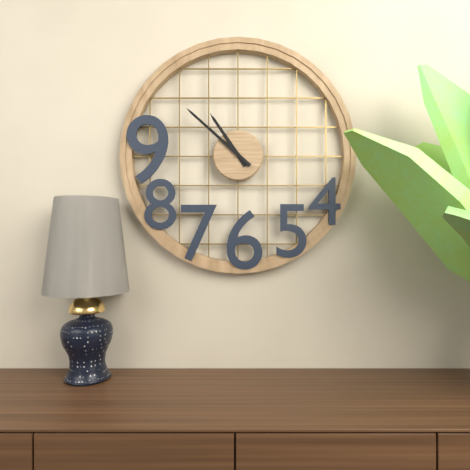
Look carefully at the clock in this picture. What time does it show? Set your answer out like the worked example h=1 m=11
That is h=10 m=52
